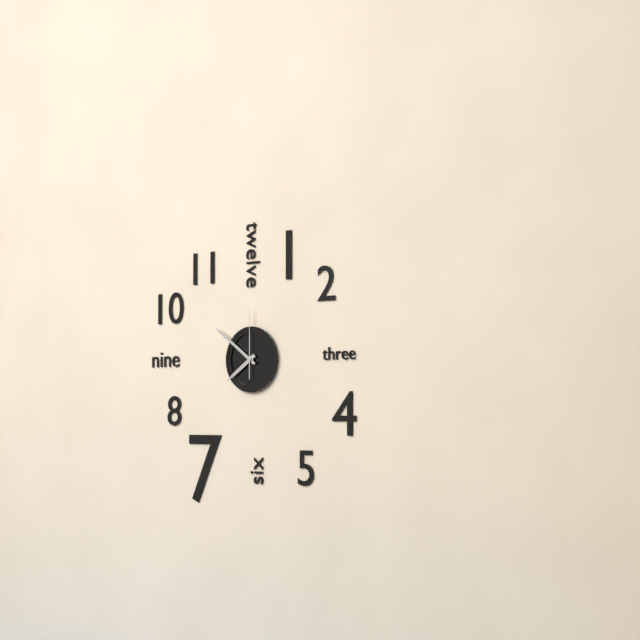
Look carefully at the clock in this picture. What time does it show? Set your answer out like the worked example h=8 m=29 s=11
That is h=7 m=51 s=0
